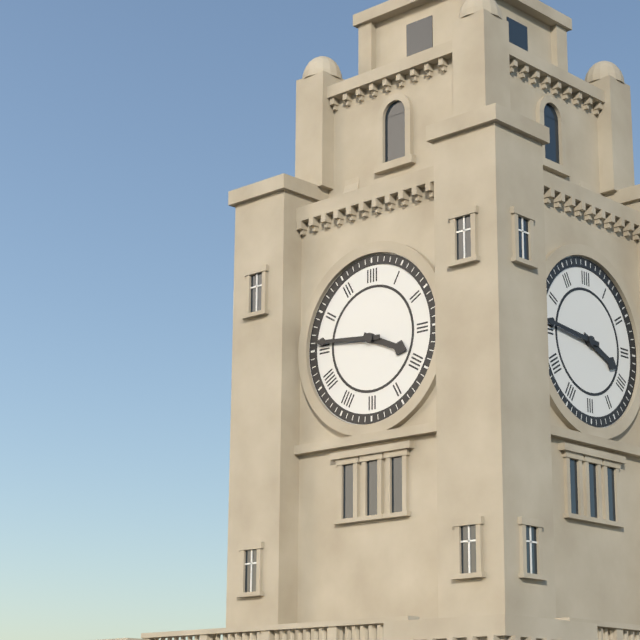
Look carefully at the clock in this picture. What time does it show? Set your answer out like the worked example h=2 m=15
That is h=3 m=46
